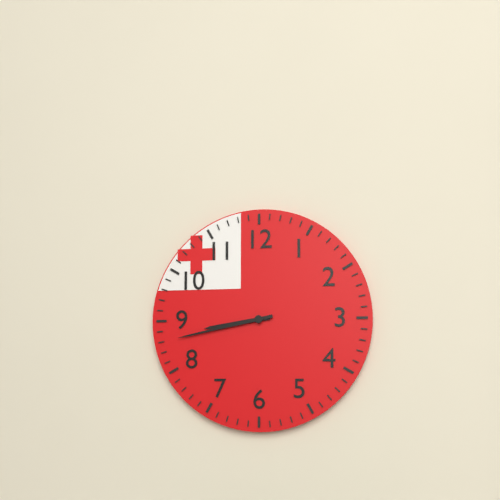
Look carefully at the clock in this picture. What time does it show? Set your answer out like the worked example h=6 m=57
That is h=8 m=43
